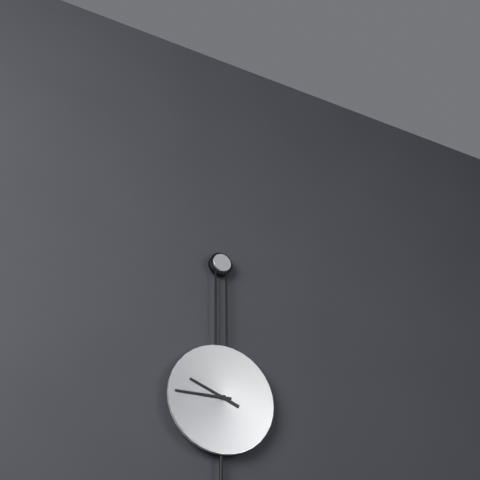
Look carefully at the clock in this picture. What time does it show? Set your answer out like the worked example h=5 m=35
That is h=9 m=45
